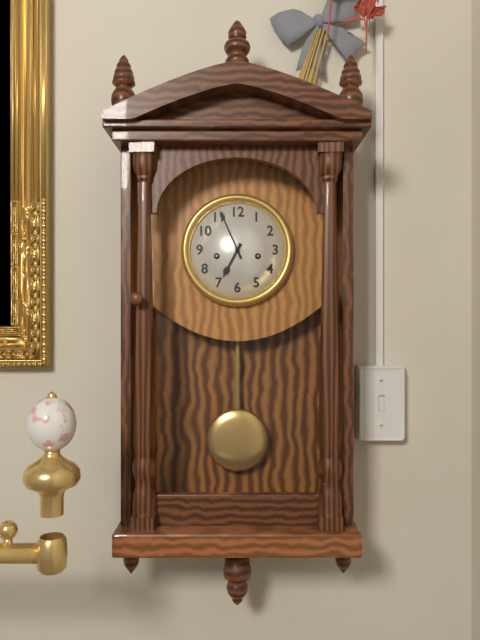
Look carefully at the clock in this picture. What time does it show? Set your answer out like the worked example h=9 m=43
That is h=6 m=56
